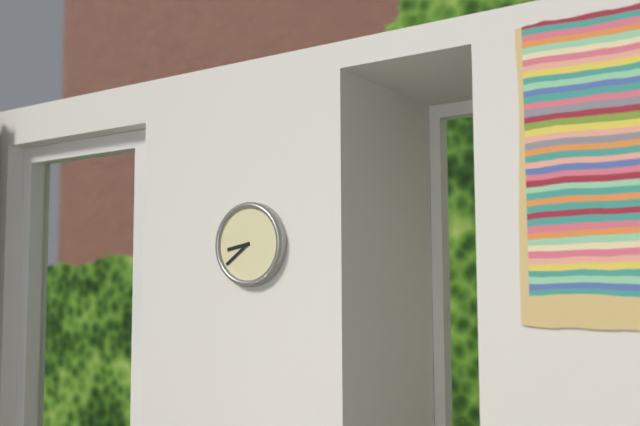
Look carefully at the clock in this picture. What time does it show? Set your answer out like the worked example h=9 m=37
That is h=8 m=39
